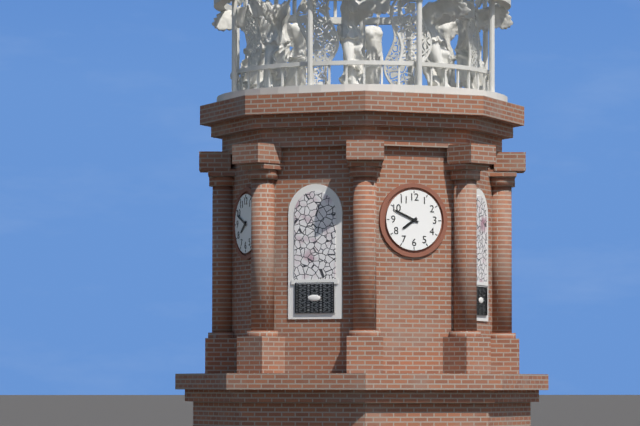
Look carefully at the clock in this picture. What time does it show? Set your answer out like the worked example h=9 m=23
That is h=7 m=49
